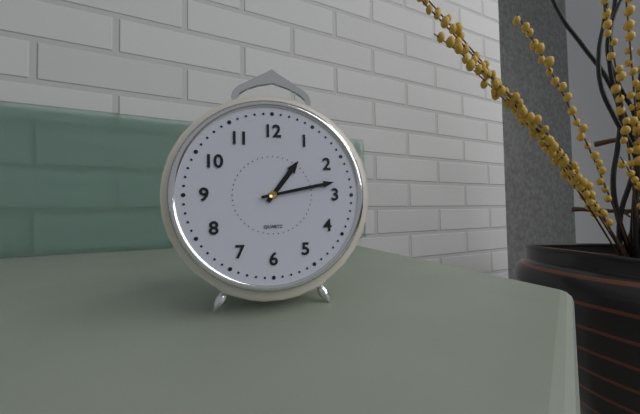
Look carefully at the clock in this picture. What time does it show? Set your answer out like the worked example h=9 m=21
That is h=1 m=13
